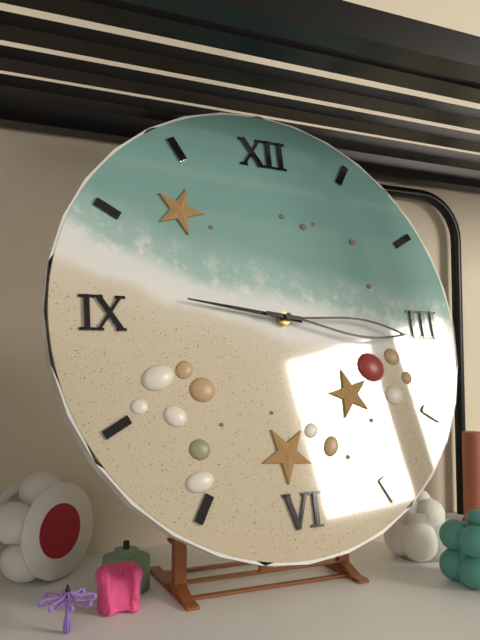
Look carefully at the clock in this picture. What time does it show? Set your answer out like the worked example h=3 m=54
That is h=9 m=16
